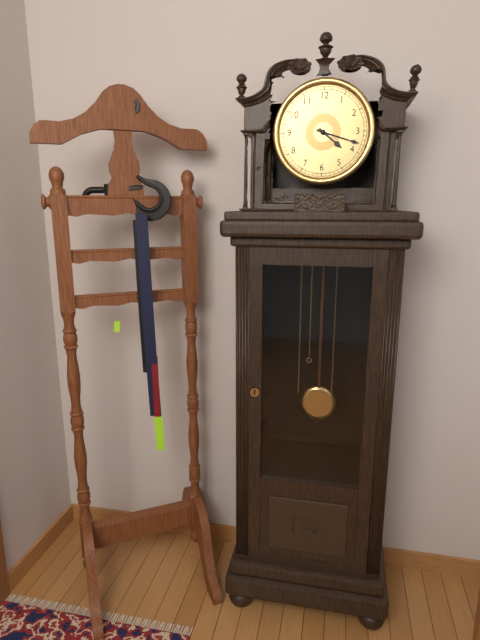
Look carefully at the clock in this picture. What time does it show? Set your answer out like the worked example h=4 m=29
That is h=4 m=18
